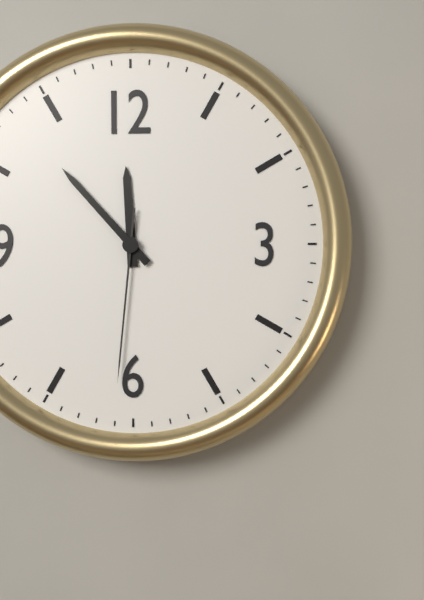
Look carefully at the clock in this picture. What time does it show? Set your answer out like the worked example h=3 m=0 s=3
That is h=11 m=53 s=31
